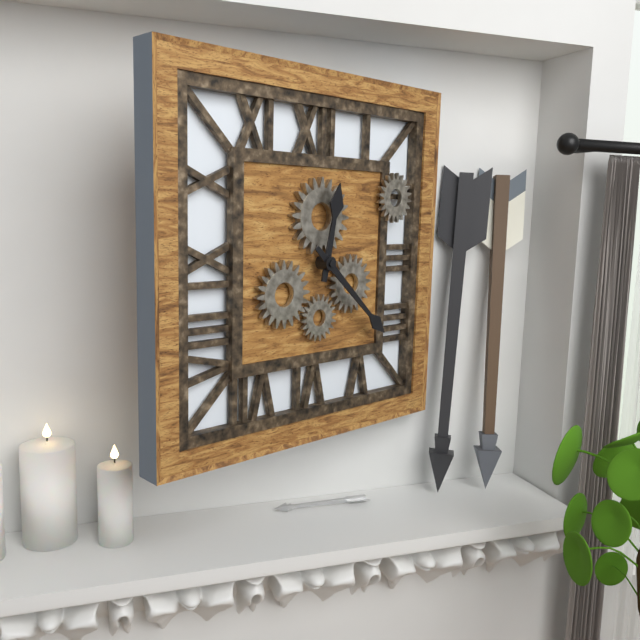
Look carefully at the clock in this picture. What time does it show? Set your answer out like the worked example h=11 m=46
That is h=12 m=22
